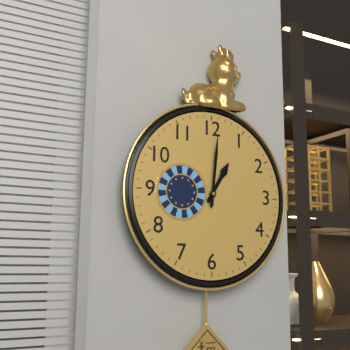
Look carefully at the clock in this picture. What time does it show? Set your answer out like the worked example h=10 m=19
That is h=1 m=1
